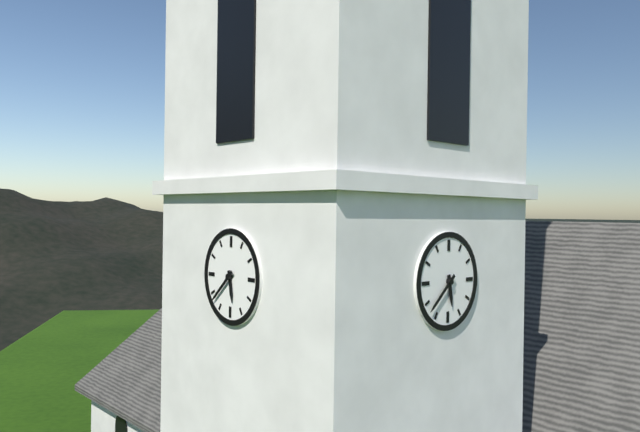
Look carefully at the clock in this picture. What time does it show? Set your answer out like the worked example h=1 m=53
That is h=5 m=38
